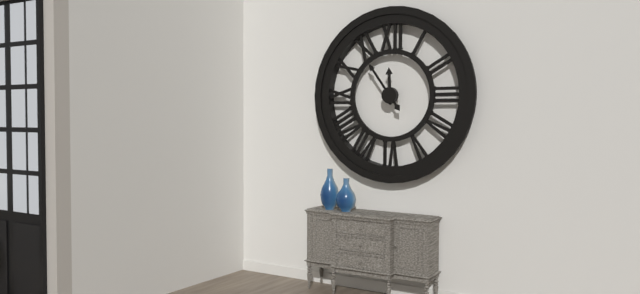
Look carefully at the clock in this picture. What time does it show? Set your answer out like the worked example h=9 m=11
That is h=11 m=54
